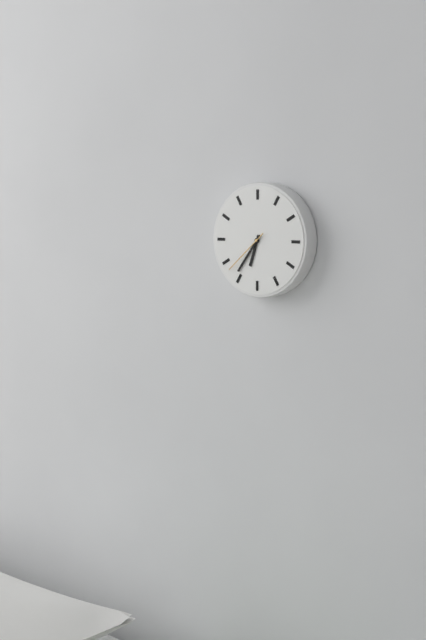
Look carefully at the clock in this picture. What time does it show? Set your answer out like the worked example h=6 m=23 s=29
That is h=6 m=36 s=38
